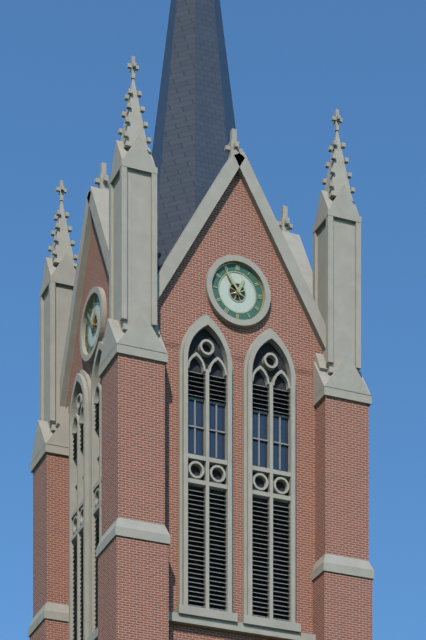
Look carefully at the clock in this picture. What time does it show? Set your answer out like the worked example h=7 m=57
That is h=12 m=54
